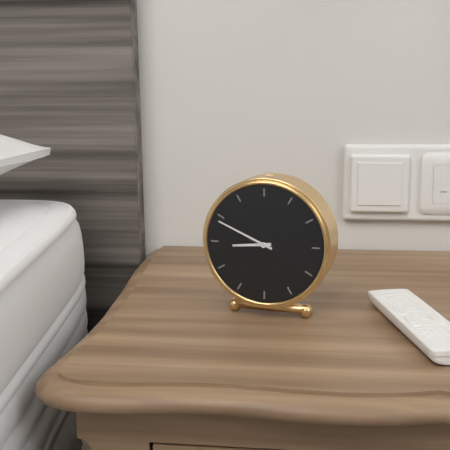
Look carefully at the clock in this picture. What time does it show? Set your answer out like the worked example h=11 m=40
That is h=8 m=49
